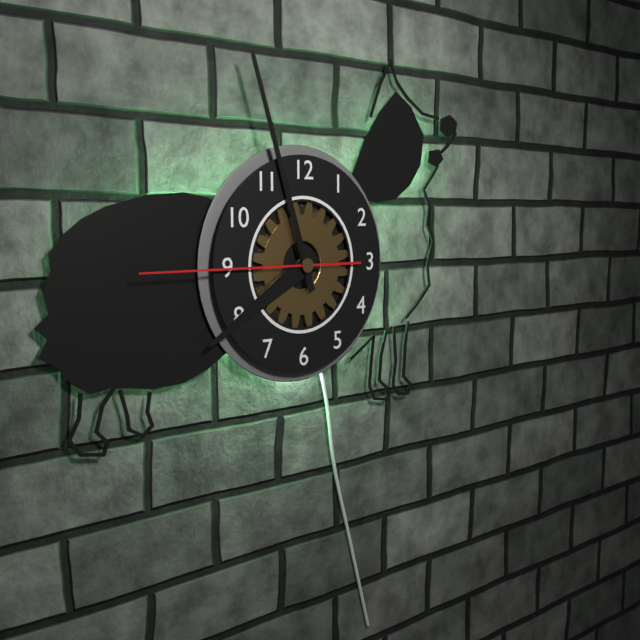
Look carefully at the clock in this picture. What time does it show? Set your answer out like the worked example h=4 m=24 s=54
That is h=7 m=57 s=45
